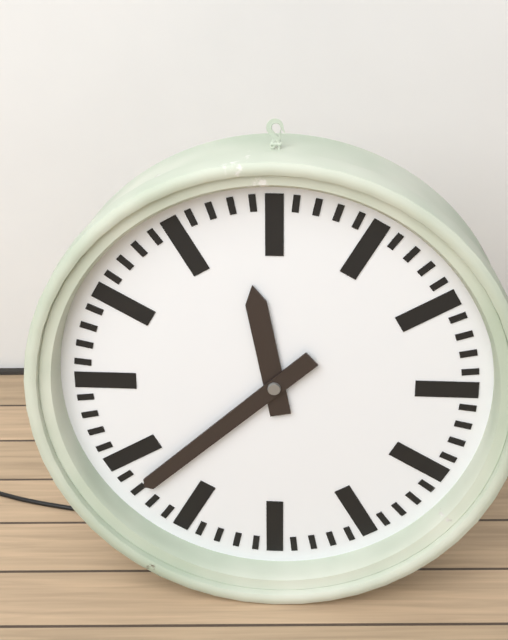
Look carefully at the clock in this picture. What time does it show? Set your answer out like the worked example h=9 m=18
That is h=11 m=38
